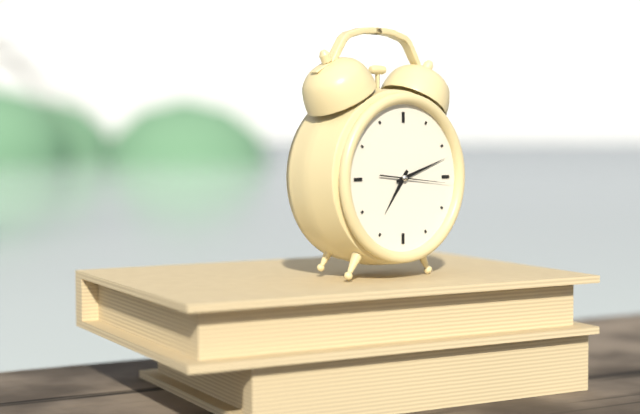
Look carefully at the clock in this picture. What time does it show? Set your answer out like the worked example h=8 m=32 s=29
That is h=7 m=12 s=16
